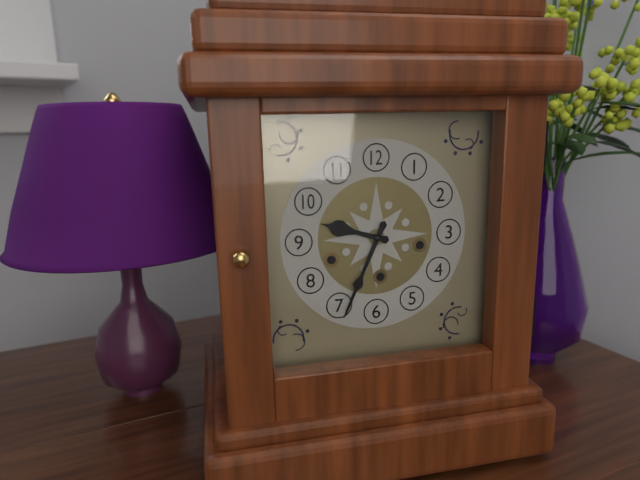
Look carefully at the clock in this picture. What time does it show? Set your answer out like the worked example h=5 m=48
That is h=9 m=34
